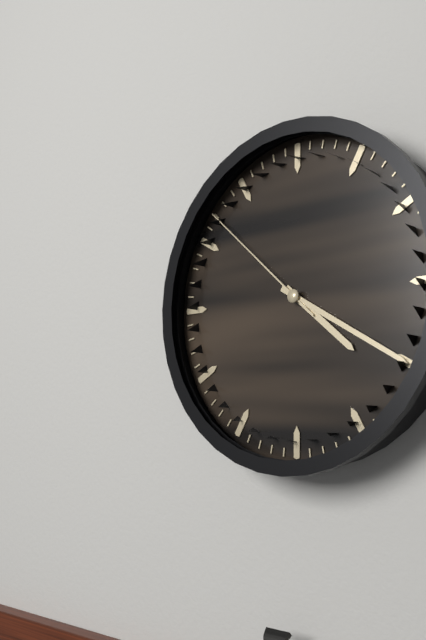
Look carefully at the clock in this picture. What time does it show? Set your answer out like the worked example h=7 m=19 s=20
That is h=4 m=20 s=52
